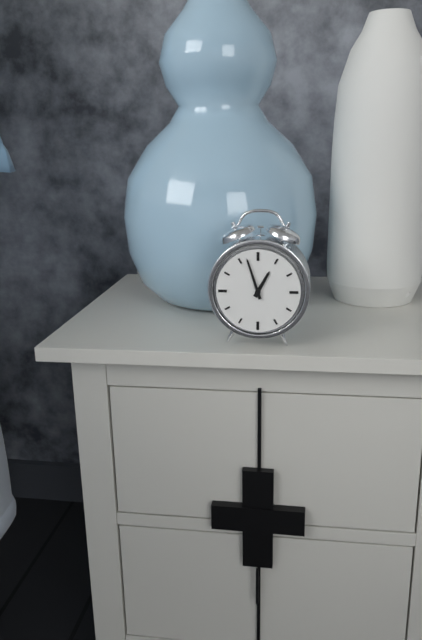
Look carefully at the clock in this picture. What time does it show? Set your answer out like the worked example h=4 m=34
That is h=12 m=57
